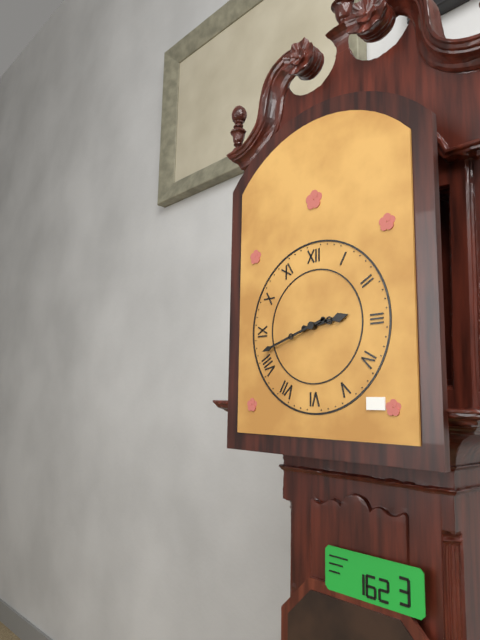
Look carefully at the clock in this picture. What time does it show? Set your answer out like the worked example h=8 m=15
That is h=2 m=42
